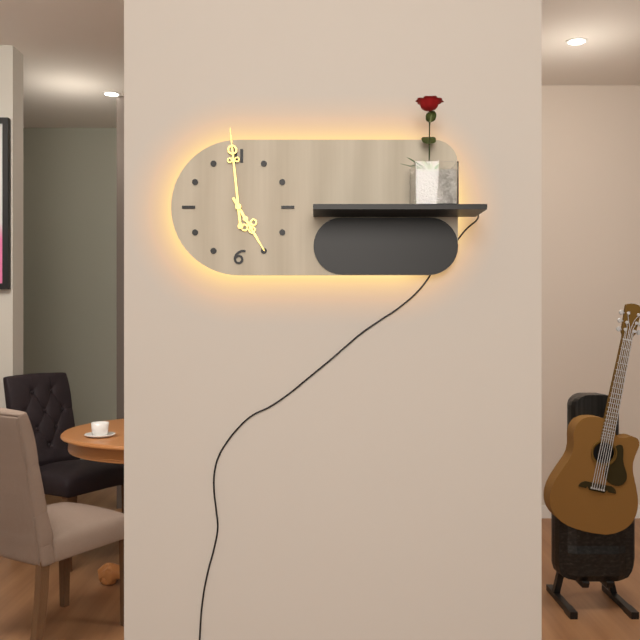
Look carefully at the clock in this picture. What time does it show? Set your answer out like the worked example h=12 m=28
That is h=4 m=59
